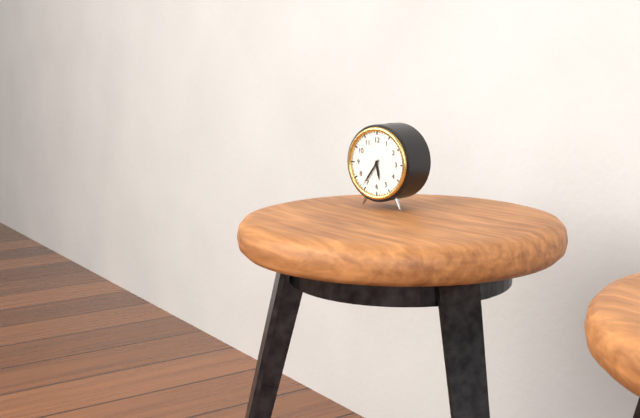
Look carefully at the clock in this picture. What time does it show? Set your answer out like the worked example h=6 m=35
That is h=5 m=36
